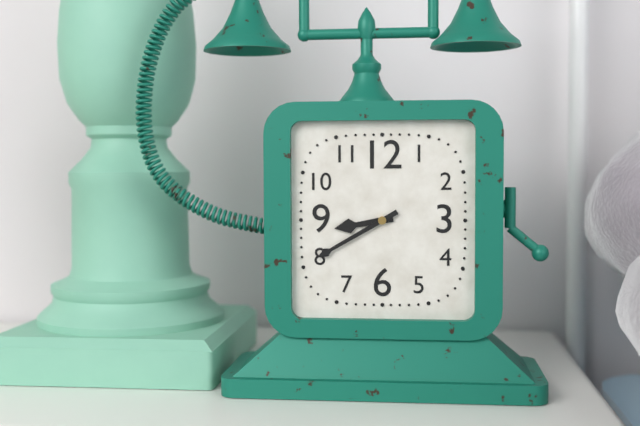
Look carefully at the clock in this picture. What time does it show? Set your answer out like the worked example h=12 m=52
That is h=8 m=40
